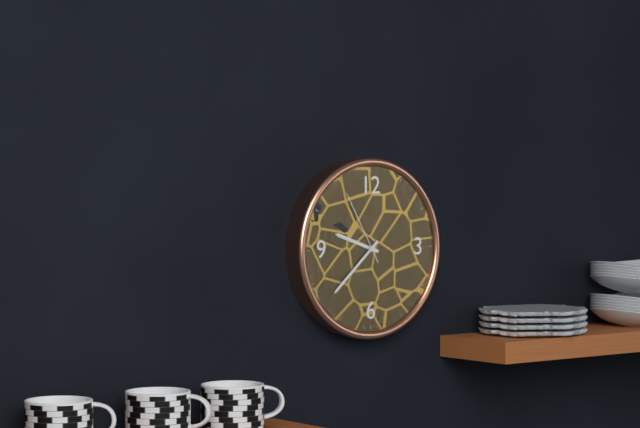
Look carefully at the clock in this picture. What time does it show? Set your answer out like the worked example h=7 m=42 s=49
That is h=9 m=38 s=55
